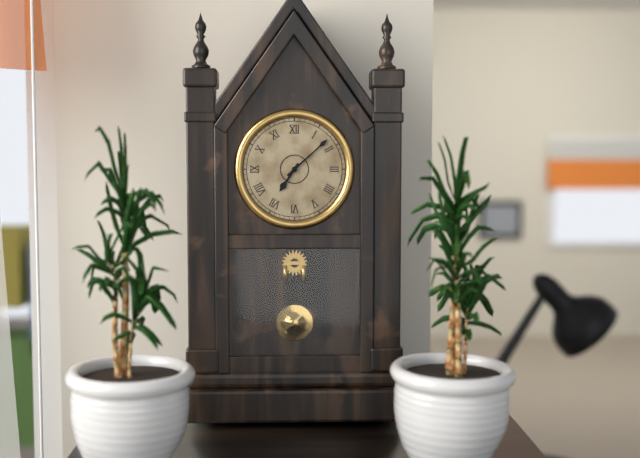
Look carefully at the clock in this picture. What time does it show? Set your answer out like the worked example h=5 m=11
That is h=7 m=8
